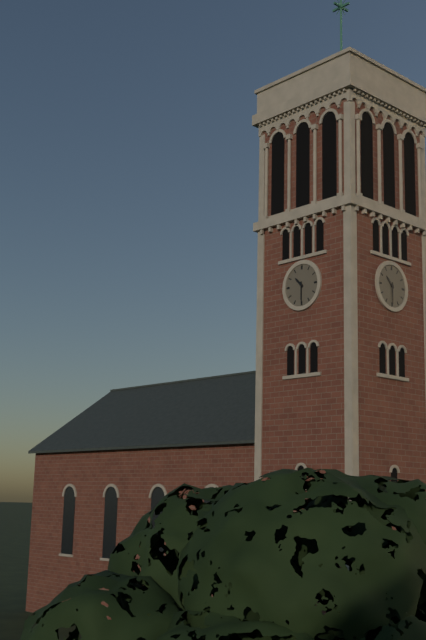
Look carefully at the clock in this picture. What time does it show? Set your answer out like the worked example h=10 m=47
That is h=10 m=30
